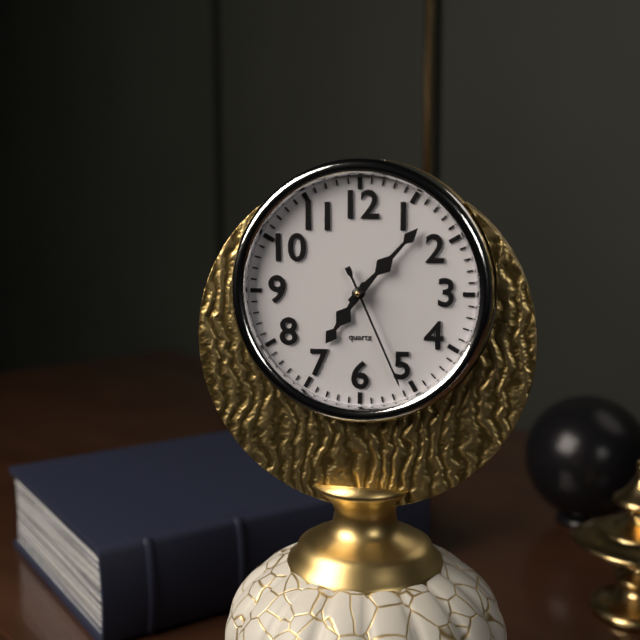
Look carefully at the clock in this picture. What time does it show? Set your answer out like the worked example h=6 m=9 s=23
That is h=7 m=7 s=26
